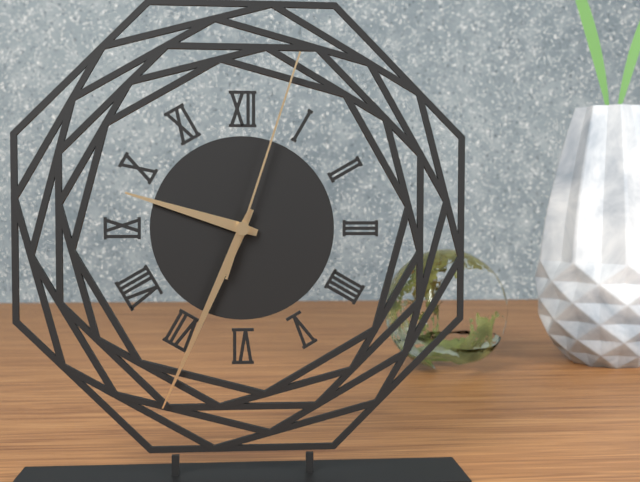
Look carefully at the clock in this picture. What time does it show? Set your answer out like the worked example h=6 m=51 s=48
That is h=9 m=34 s=3
